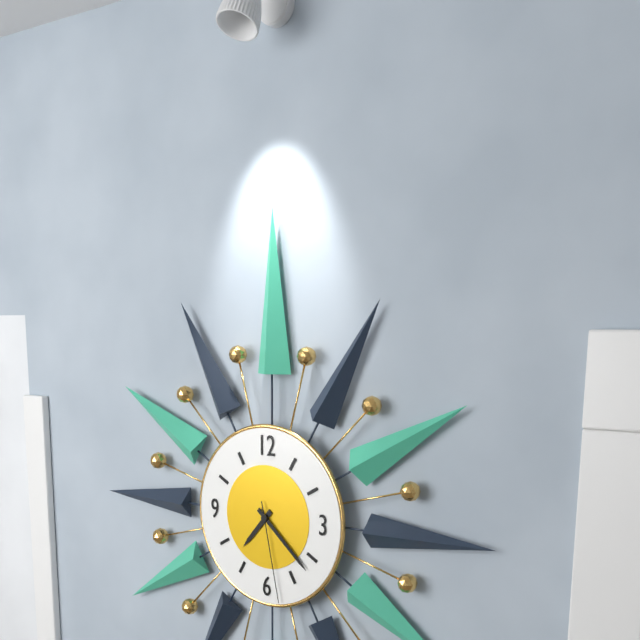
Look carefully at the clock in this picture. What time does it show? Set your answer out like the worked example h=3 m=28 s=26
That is h=7 m=22 s=28
